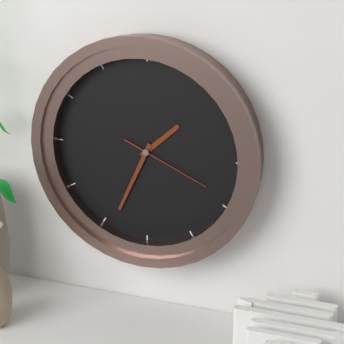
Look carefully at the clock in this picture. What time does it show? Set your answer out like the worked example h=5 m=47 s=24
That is h=1 m=34 s=19
